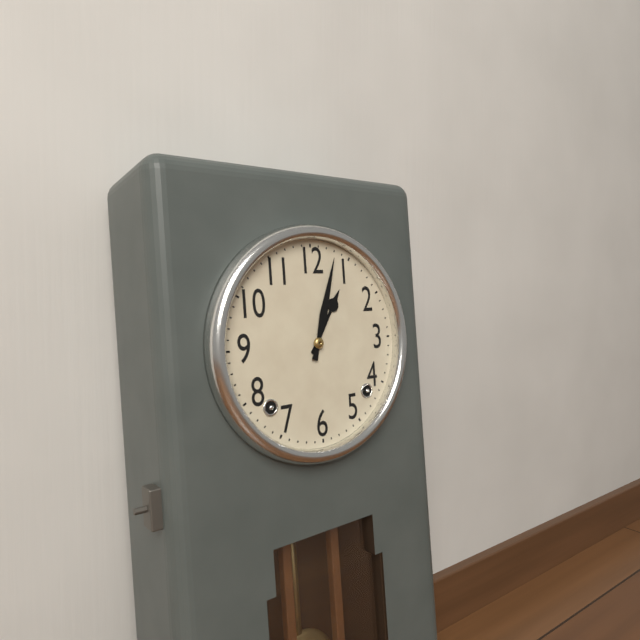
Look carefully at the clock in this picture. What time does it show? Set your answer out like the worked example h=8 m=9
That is h=1 m=3
